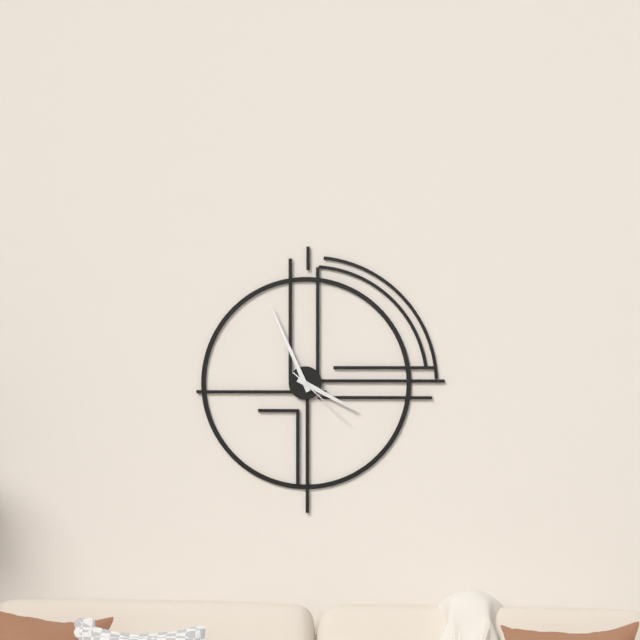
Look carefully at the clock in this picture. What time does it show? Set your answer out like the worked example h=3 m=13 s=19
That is h=3 m=56 s=22
